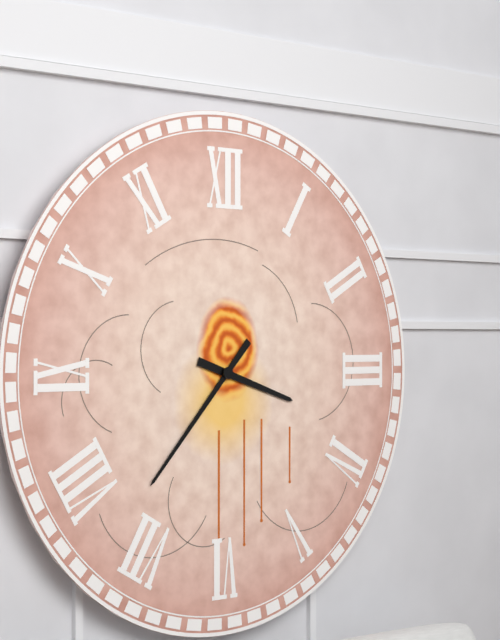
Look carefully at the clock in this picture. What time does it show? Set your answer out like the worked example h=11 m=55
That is h=3 m=37
